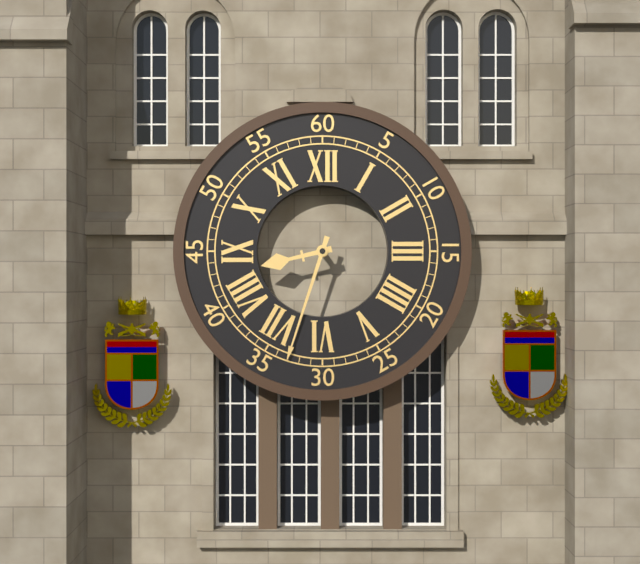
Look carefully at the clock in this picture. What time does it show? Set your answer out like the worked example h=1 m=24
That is h=8 m=33
